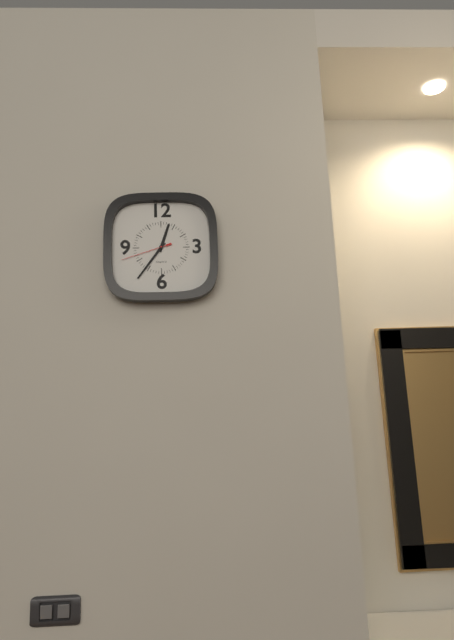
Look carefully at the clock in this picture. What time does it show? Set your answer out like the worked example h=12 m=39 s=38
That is h=12 m=36 s=42
